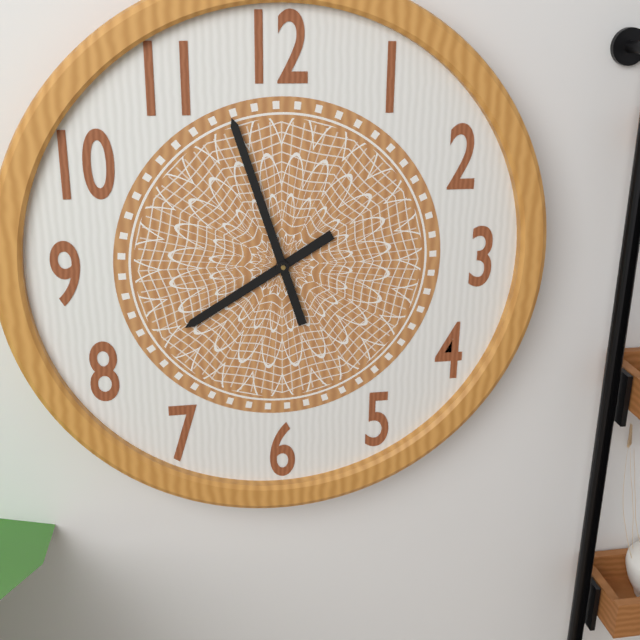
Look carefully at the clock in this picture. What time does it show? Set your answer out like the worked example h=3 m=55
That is h=7 m=57
